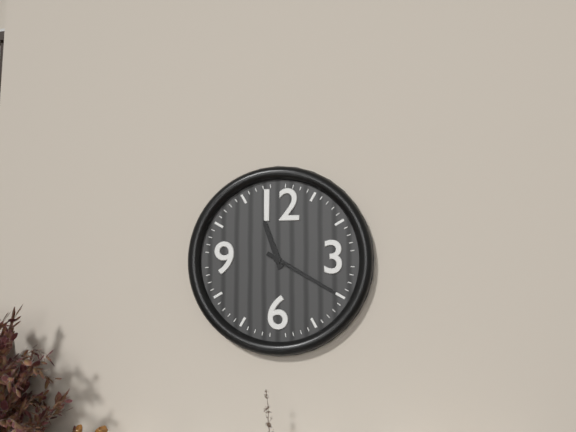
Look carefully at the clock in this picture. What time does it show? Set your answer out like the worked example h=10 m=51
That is h=11 m=20
